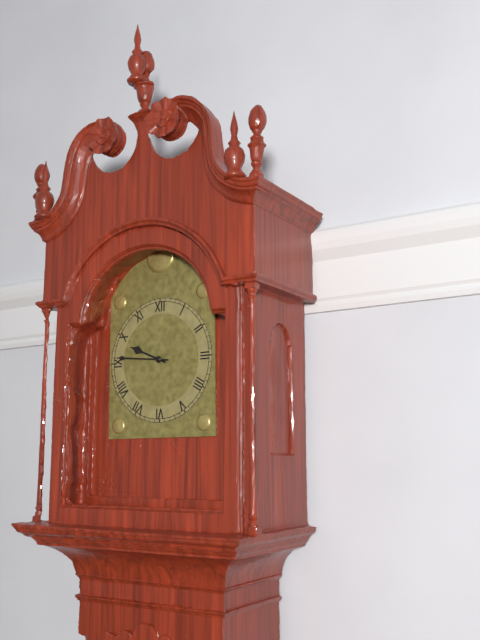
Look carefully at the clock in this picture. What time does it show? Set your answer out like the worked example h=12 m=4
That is h=9 m=46
